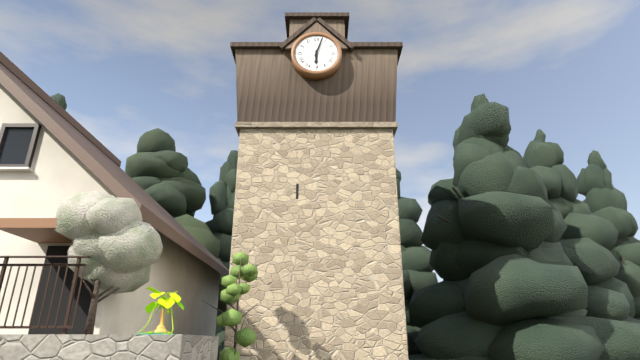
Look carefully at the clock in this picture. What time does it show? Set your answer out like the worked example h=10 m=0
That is h=6 m=3
